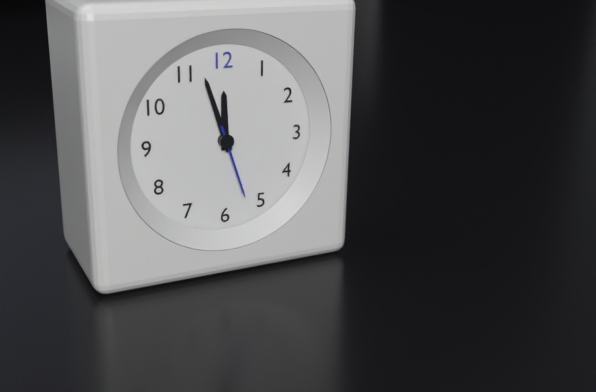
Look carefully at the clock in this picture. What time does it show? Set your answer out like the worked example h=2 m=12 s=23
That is h=11 m=57 s=27
